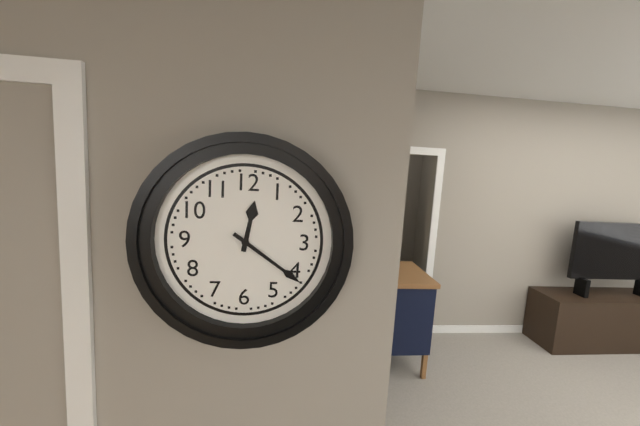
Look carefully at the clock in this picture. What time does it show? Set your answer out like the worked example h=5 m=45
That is h=12 m=21
